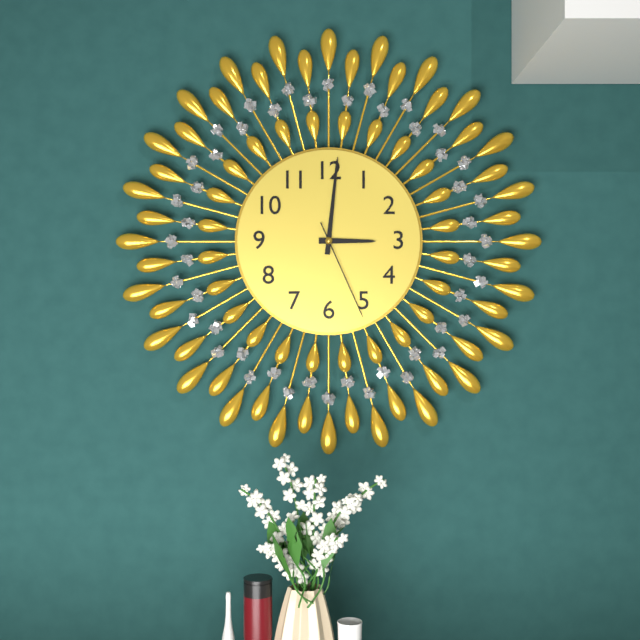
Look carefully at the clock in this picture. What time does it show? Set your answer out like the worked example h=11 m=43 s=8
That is h=3 m=1 s=26
